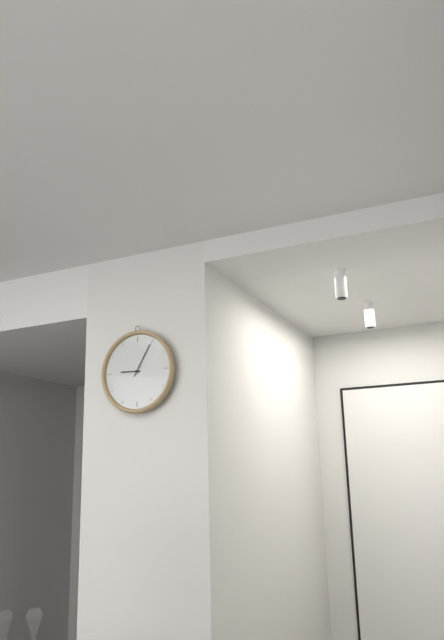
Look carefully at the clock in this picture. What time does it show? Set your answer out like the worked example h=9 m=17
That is h=9 m=5
